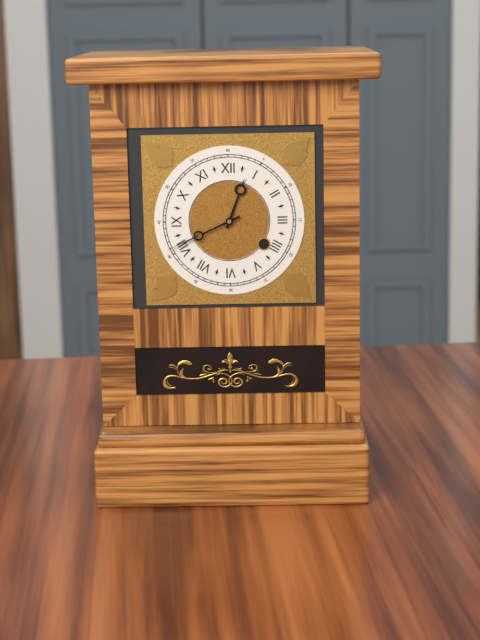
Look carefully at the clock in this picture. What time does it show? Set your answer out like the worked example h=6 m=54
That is h=12 m=41
